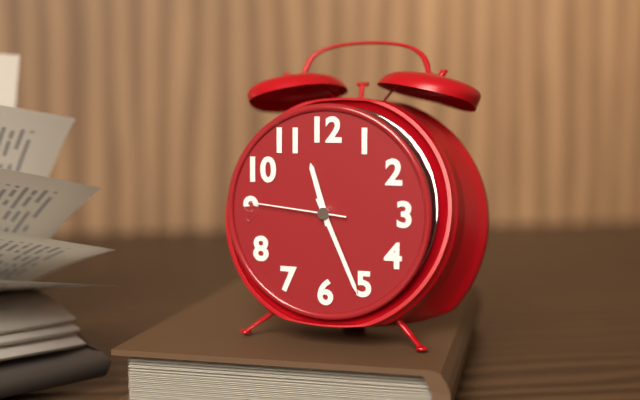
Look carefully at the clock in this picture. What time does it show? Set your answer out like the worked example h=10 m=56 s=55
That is h=11 m=26 s=46
